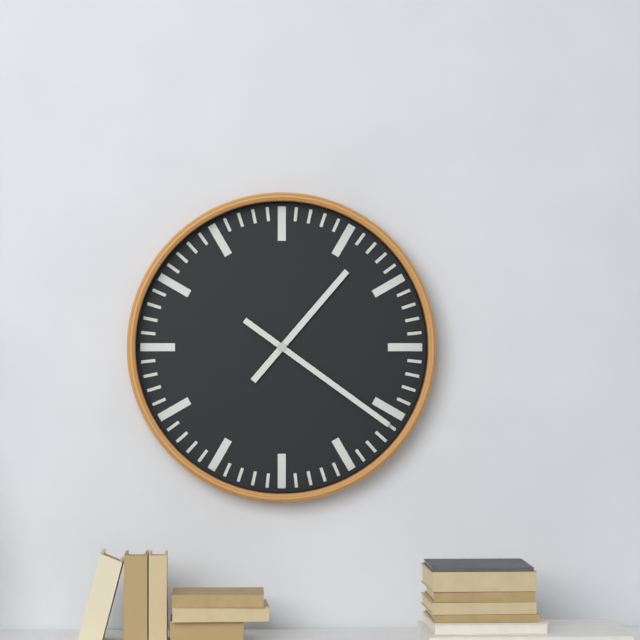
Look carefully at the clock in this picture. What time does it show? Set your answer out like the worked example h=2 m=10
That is h=1 m=21
